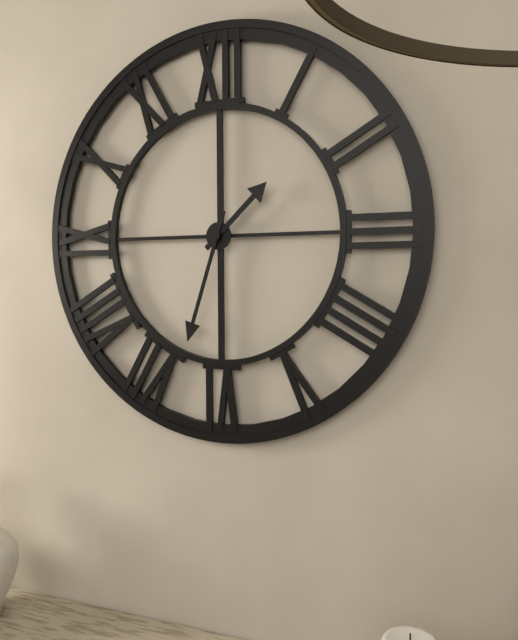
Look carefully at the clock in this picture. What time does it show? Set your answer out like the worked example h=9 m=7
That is h=1 m=33
